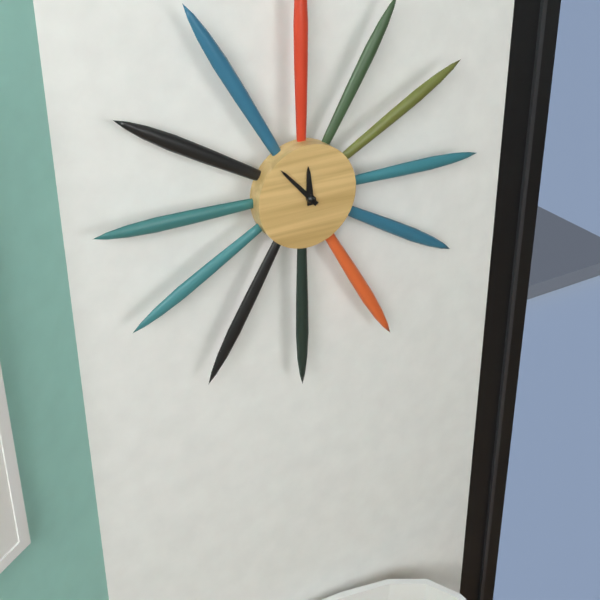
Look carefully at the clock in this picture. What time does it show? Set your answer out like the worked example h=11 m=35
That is h=11 m=53
